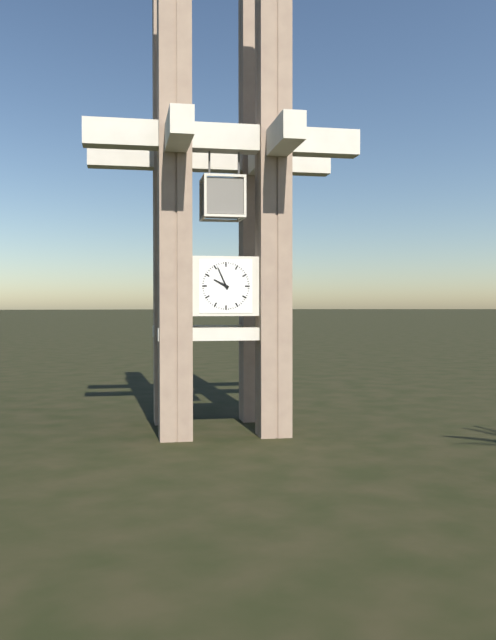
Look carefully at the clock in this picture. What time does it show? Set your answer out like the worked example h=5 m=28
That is h=9 m=56
